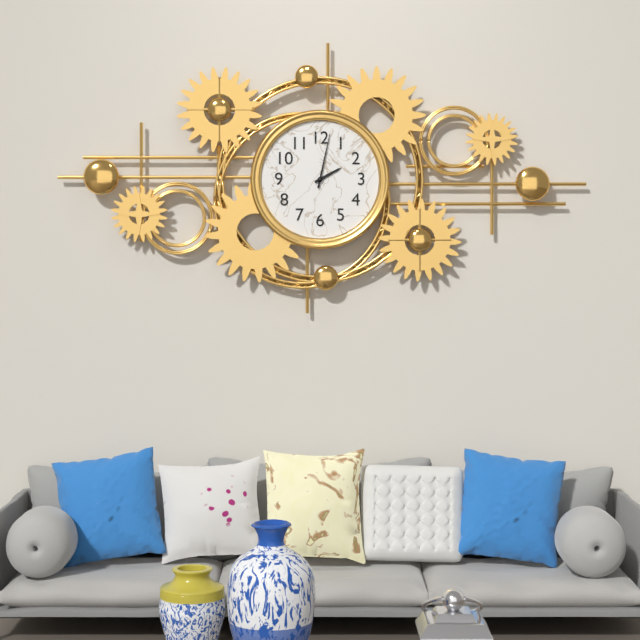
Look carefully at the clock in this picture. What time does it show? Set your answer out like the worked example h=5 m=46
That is h=2 m=2
